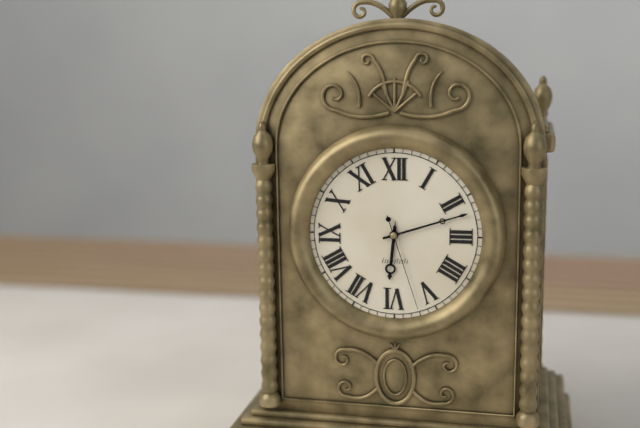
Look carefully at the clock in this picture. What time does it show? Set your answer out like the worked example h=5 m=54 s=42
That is h=6 m=12 s=27
